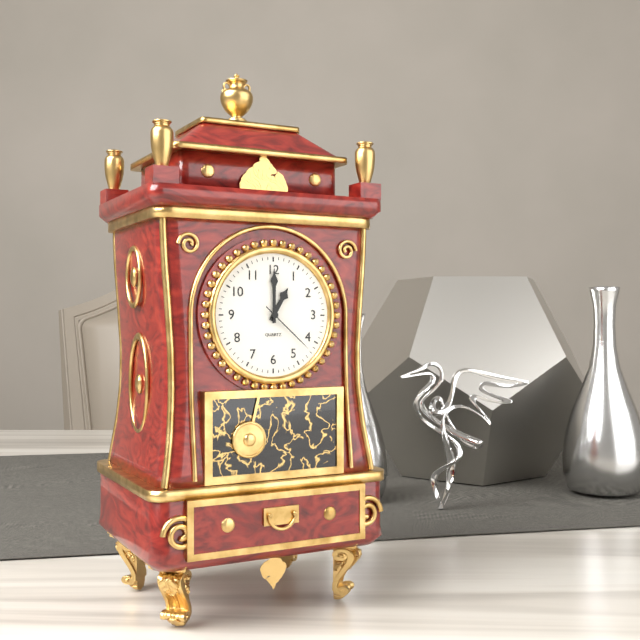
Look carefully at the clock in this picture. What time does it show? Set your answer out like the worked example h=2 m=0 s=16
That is h=1 m=0 s=22
